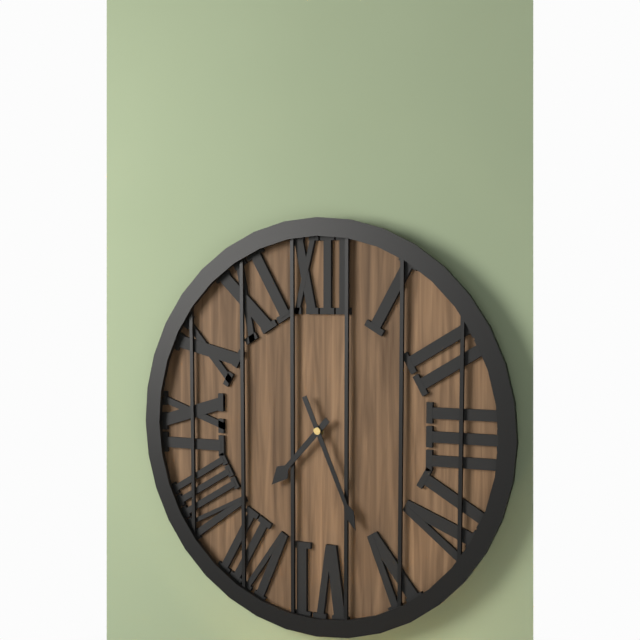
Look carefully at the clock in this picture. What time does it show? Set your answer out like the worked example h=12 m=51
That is h=7 m=26
